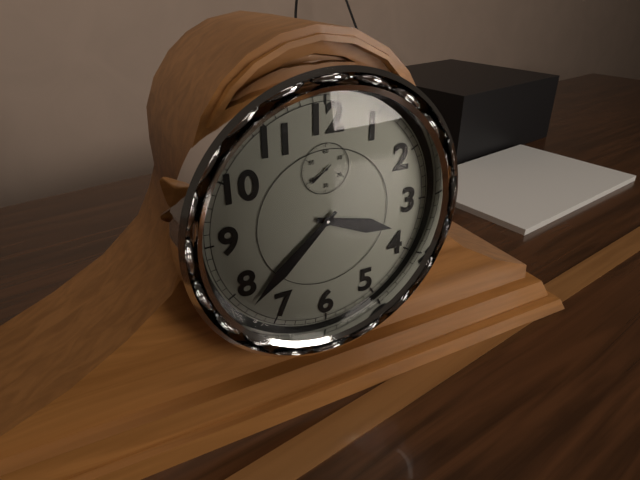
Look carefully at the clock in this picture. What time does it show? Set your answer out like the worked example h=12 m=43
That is h=3 m=38
